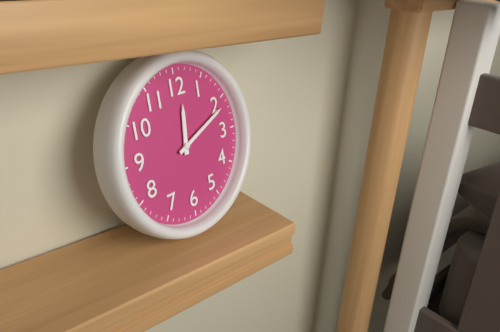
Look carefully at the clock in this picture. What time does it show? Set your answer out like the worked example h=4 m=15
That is h=12 m=11
